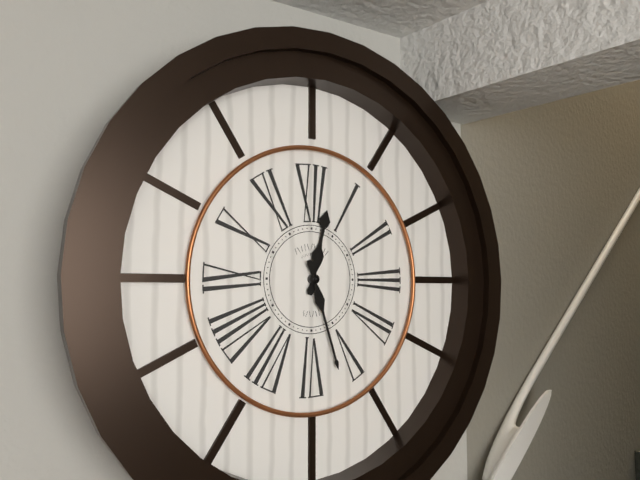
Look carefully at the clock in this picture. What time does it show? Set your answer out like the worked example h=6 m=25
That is h=12 m=27
